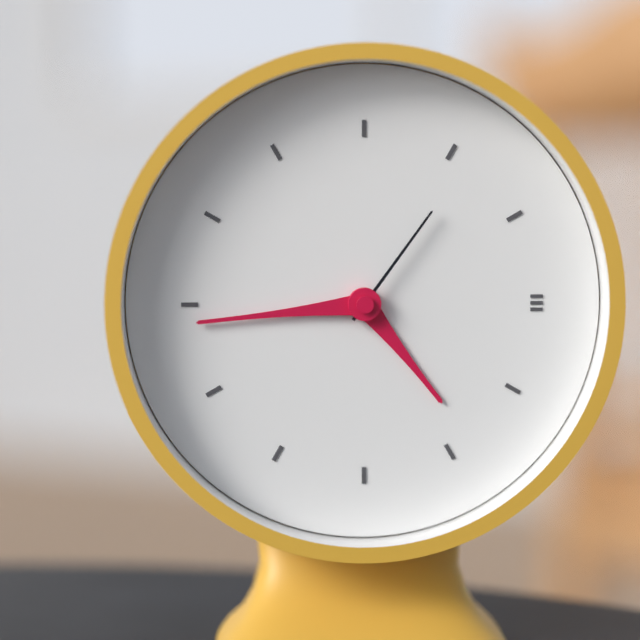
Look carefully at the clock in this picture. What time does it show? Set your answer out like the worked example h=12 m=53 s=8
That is h=4 m=44 s=6
